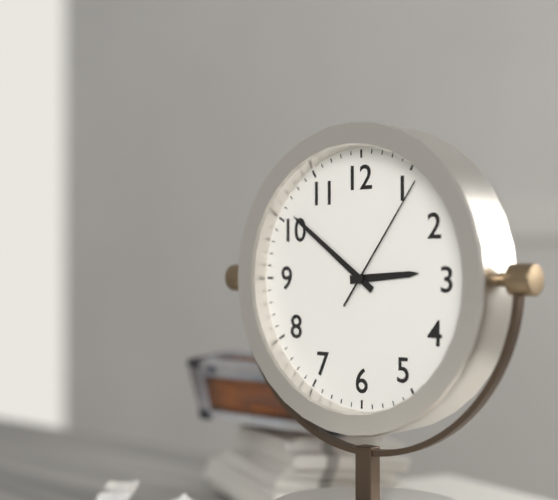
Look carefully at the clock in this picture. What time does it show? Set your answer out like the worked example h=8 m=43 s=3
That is h=2 m=51 s=6
